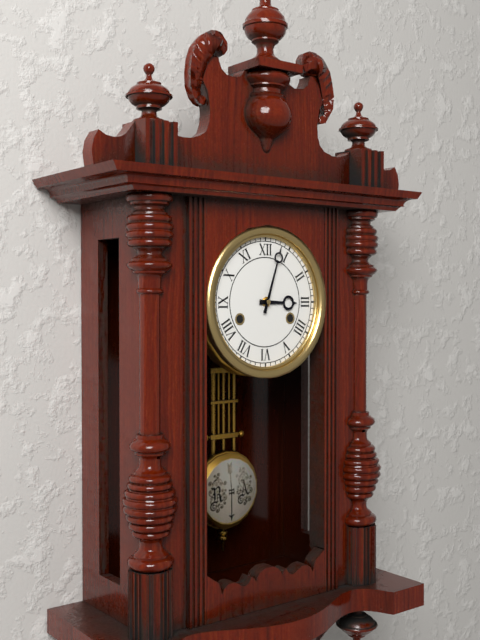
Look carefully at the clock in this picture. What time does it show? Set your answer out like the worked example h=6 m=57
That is h=3 m=3
